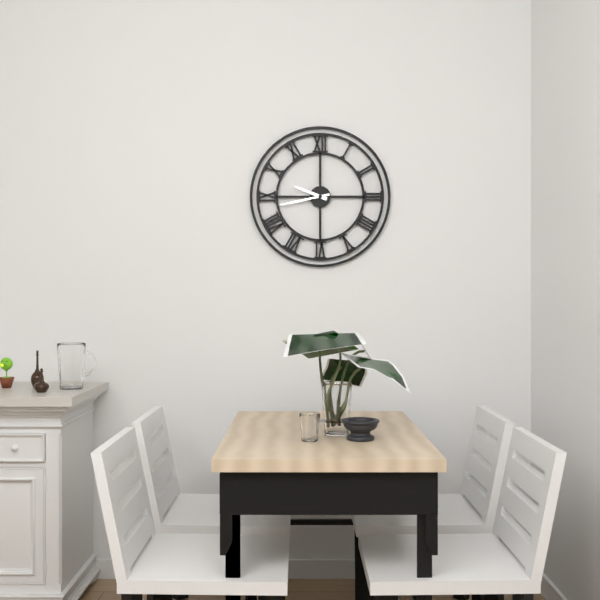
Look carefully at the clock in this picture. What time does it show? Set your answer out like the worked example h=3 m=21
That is h=9 m=43
